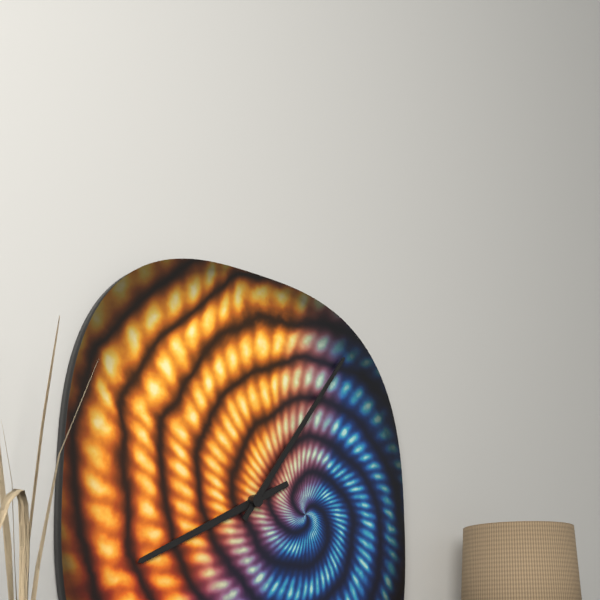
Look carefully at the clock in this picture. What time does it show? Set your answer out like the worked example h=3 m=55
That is h=8 m=6
